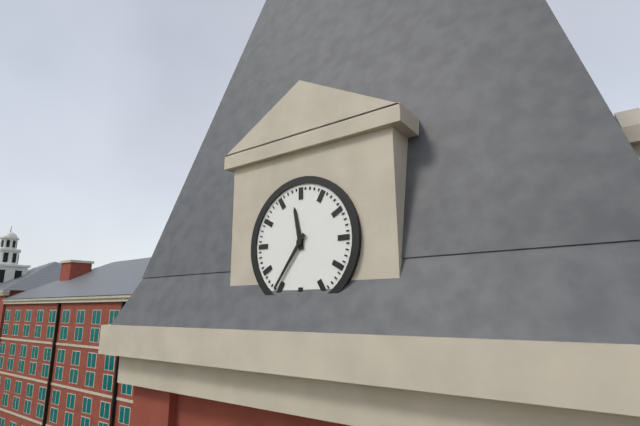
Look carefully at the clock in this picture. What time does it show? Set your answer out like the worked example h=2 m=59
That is h=11 m=36
